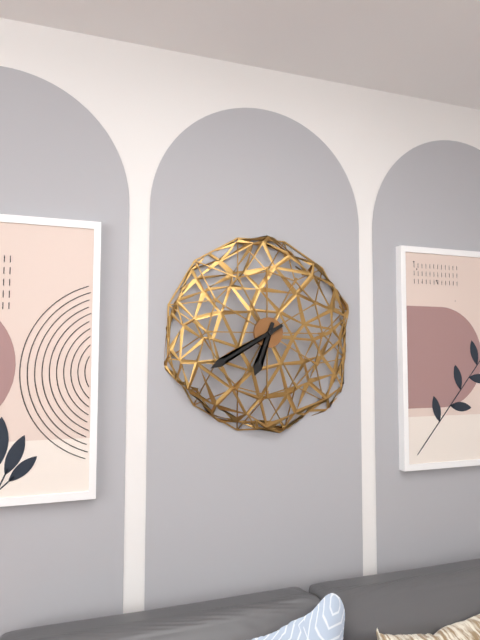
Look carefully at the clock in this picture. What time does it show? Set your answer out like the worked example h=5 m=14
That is h=6 m=40
